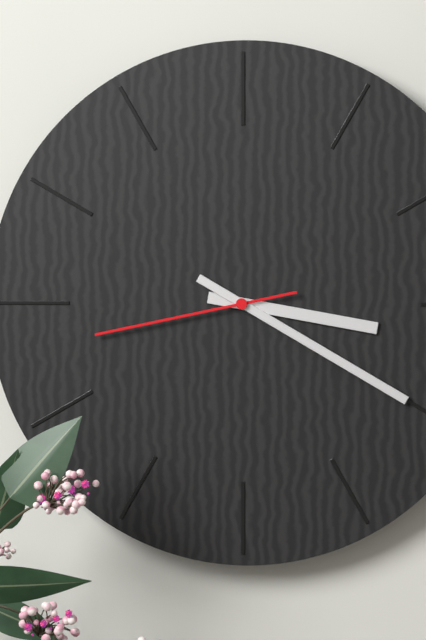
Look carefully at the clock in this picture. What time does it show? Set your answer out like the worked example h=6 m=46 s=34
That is h=3 m=20 s=43
